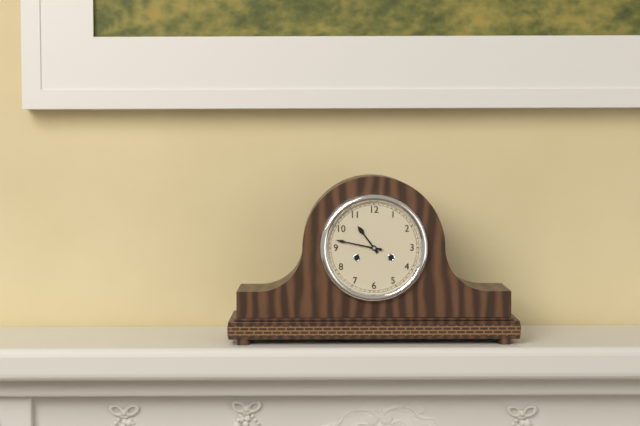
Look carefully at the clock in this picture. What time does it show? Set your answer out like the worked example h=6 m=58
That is h=10 m=47
